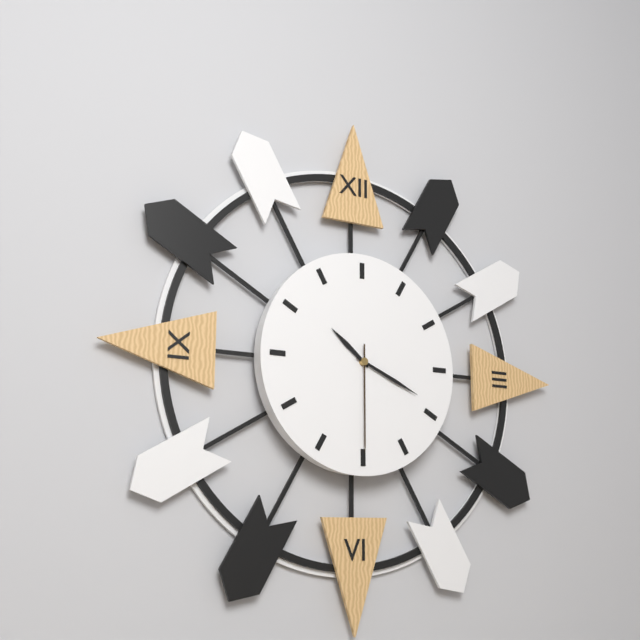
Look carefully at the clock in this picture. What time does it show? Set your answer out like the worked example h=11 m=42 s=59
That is h=10 m=19 s=30
